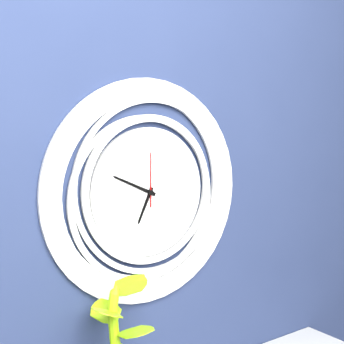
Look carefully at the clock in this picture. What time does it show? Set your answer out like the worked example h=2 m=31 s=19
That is h=6 m=49 s=0
